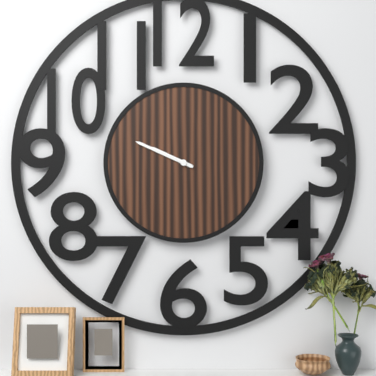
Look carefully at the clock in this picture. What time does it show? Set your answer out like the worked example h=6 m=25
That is h=9 m=49
